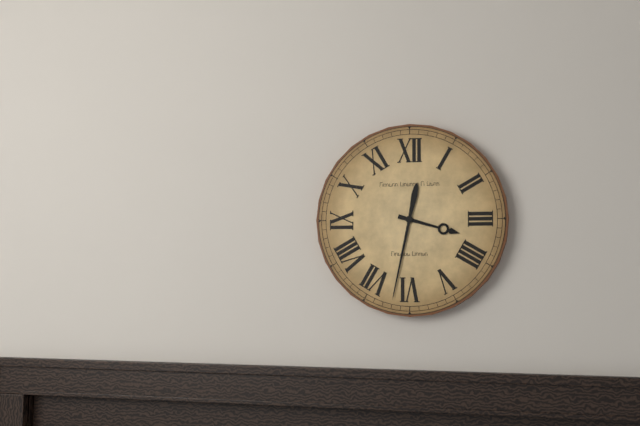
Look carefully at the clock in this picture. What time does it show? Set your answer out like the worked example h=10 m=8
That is h=3 m=32
